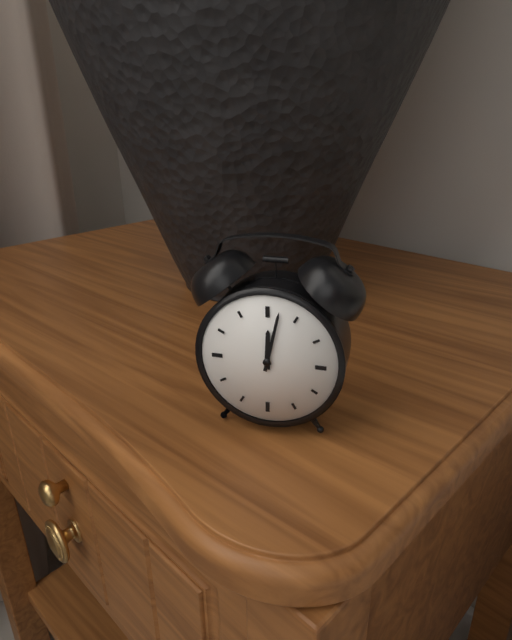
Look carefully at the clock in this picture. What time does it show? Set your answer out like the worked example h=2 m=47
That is h=12 m=2
